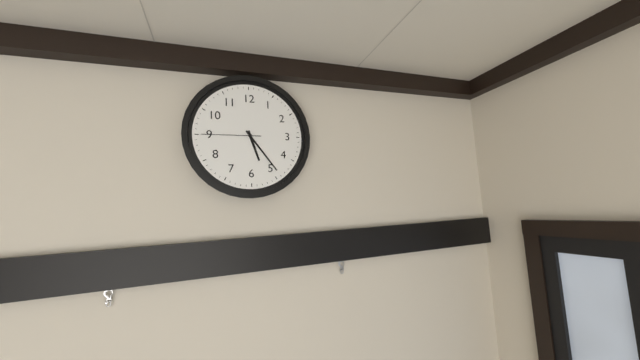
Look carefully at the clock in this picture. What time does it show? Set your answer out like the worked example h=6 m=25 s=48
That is h=5 m=24 s=45
